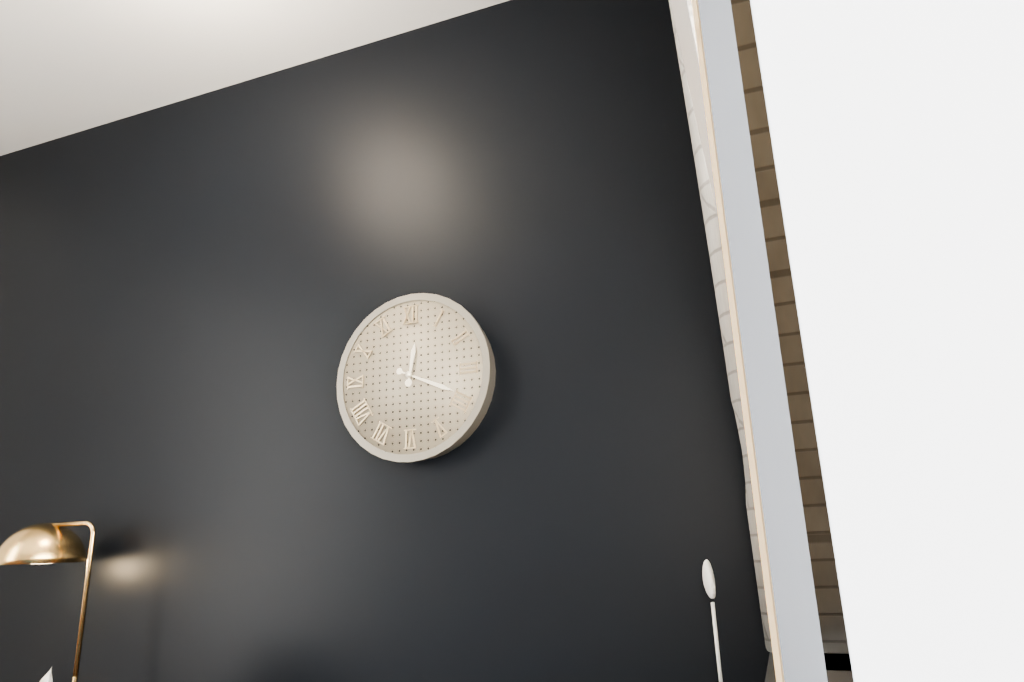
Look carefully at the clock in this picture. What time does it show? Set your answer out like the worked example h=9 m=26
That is h=12 m=19
